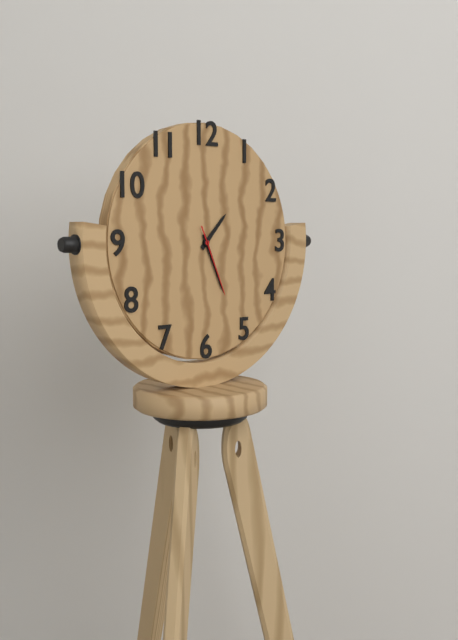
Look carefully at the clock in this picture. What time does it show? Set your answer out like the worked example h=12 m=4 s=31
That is h=1 m=26 s=26
